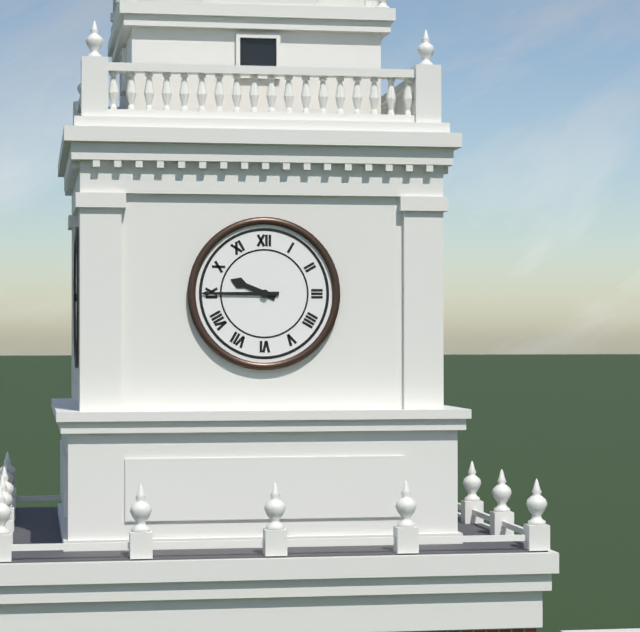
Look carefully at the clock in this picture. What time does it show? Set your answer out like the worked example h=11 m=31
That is h=9 m=45
